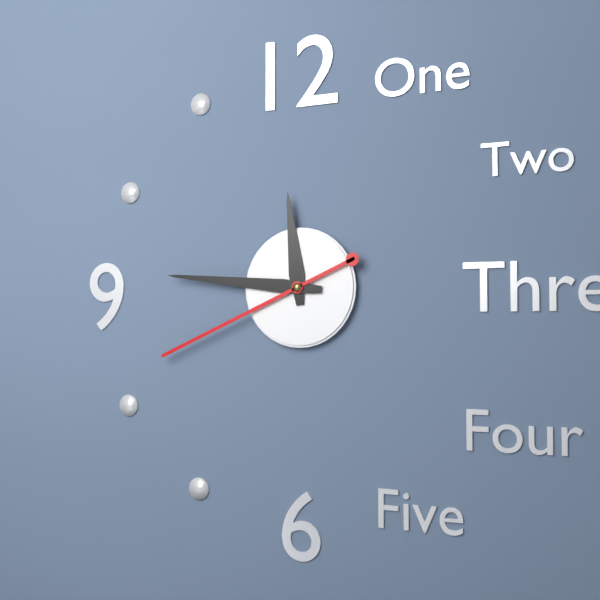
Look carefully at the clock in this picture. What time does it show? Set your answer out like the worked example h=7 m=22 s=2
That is h=11 m=46 s=41
